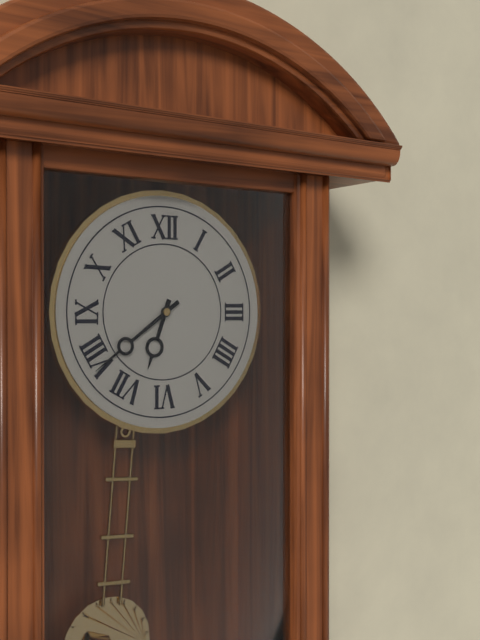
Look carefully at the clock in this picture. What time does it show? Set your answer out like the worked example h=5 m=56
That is h=6 m=39
